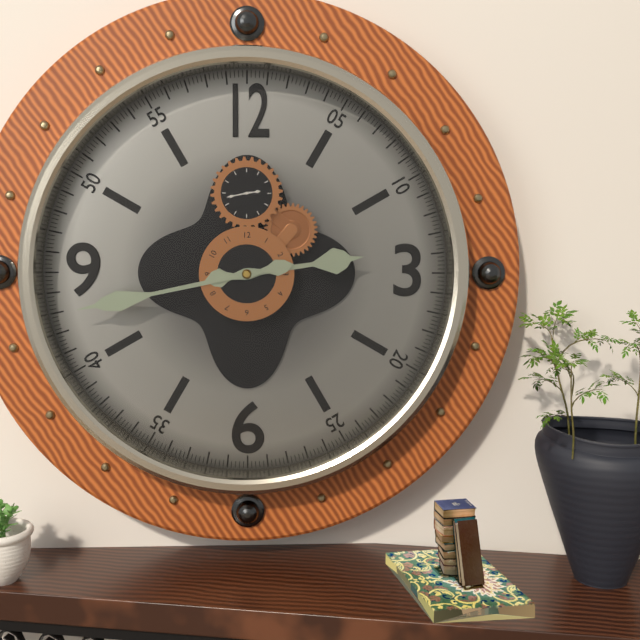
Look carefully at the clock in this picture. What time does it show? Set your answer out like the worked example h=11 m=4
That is h=2 m=43
